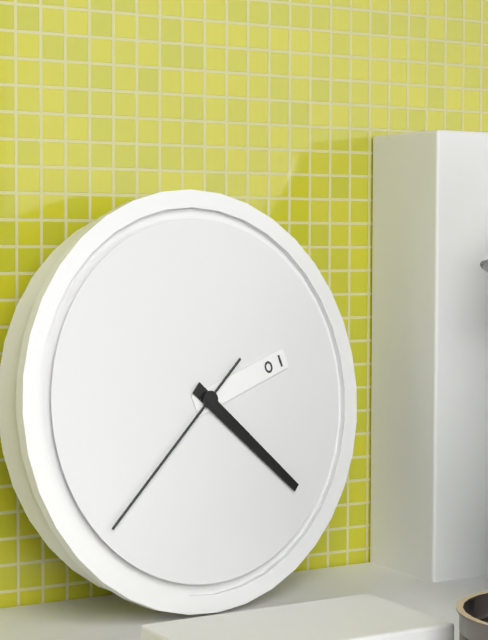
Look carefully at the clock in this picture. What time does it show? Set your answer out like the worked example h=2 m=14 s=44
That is h=2 m=22 s=38
